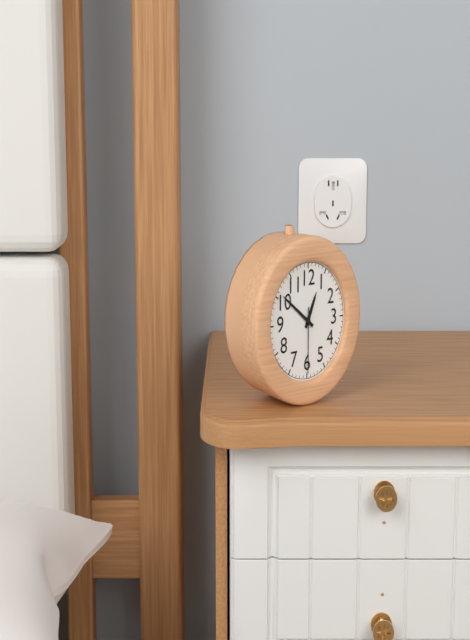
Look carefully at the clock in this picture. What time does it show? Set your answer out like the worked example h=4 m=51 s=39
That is h=12 m=51 s=30
